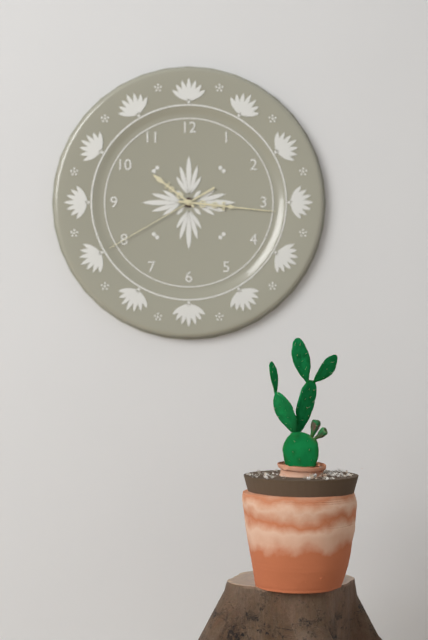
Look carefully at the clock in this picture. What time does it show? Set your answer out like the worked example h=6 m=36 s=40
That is h=10 m=16 s=40
